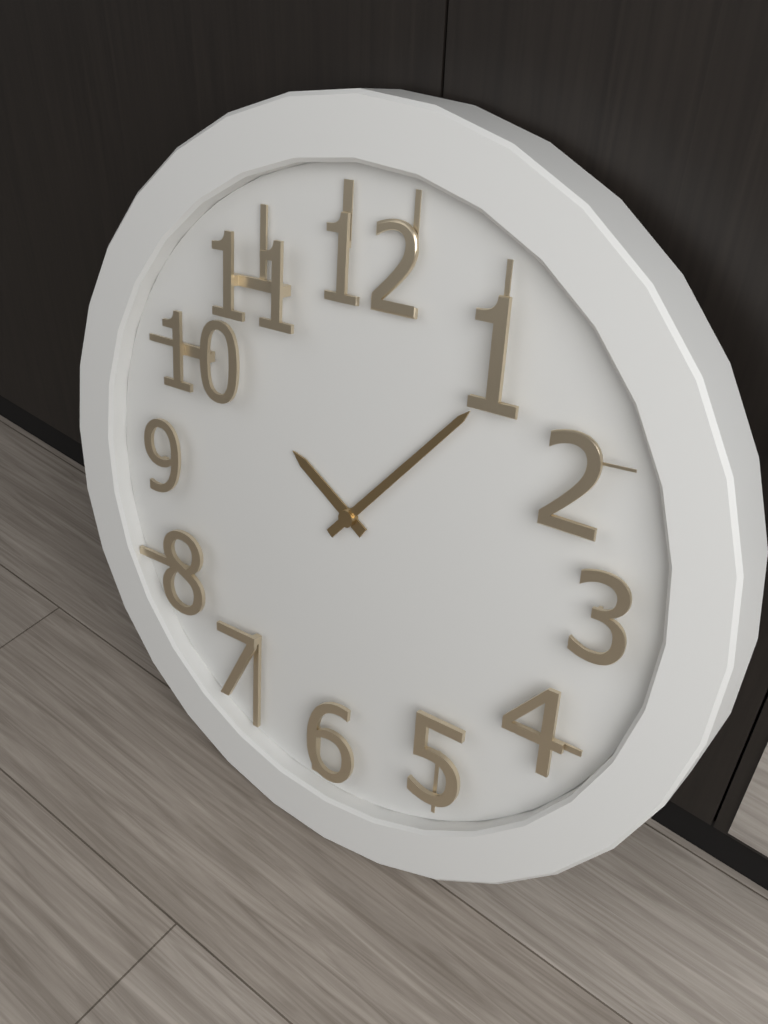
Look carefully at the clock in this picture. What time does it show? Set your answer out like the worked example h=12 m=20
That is h=10 m=7
